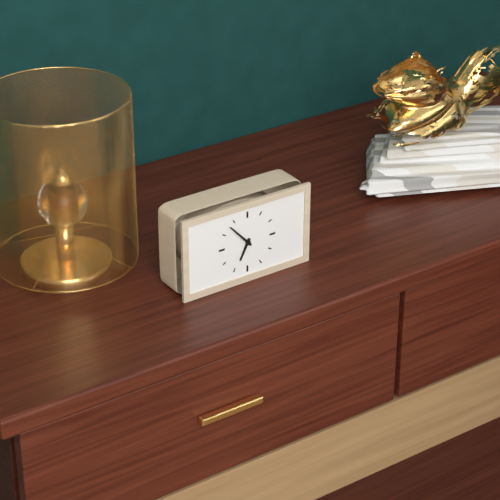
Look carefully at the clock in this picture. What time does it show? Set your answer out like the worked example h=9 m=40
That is h=6 m=53
